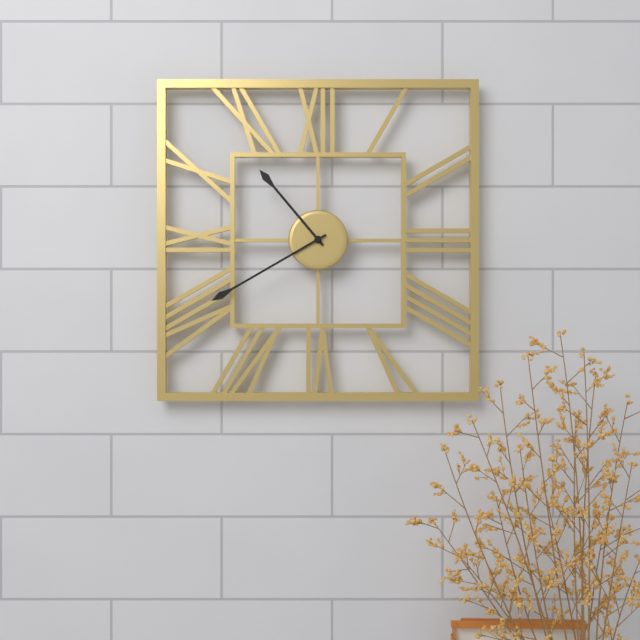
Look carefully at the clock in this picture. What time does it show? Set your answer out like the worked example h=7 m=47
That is h=10 m=40
